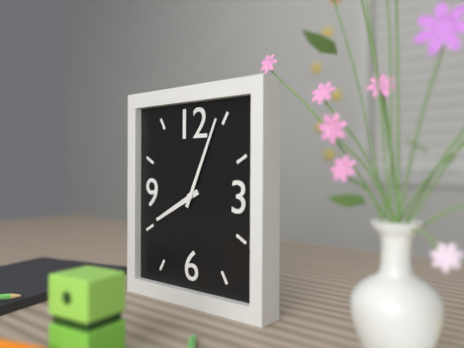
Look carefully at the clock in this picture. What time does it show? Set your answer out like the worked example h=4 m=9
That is h=8 m=4
